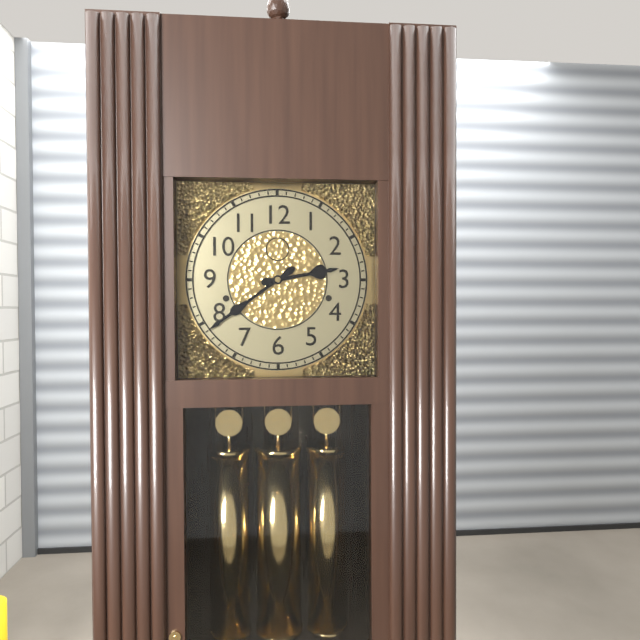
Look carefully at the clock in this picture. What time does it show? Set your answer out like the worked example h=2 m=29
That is h=2 m=39
